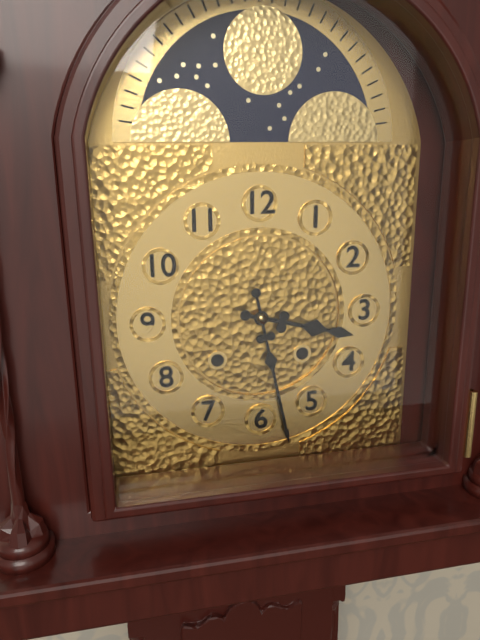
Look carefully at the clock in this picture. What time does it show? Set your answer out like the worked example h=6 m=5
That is h=3 m=28
